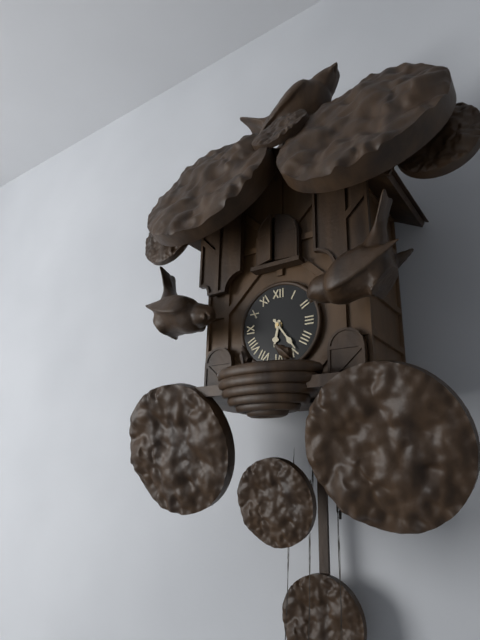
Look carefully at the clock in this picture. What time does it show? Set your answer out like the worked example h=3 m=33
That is h=6 m=24
